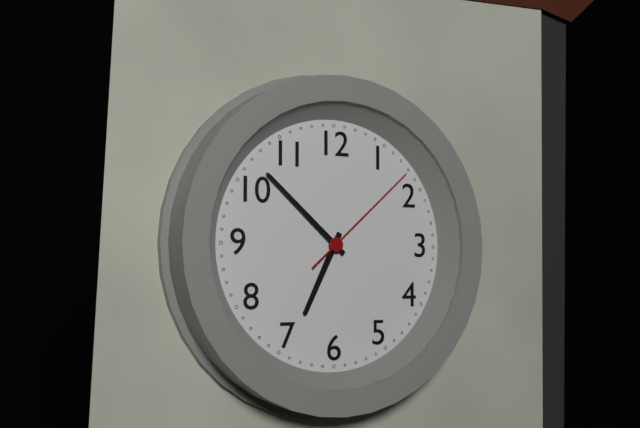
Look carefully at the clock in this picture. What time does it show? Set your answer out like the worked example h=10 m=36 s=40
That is h=6 m=52 s=8
